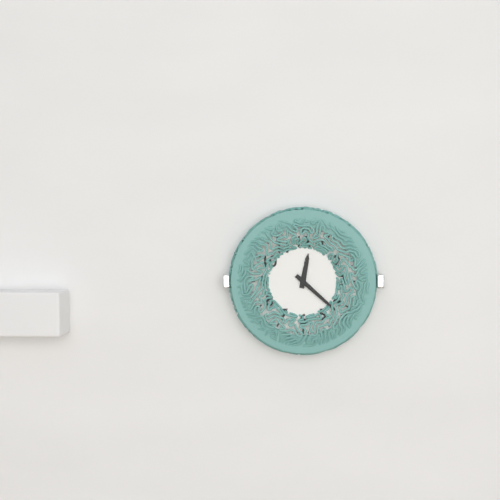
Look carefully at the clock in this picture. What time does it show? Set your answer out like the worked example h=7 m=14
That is h=12 m=22
